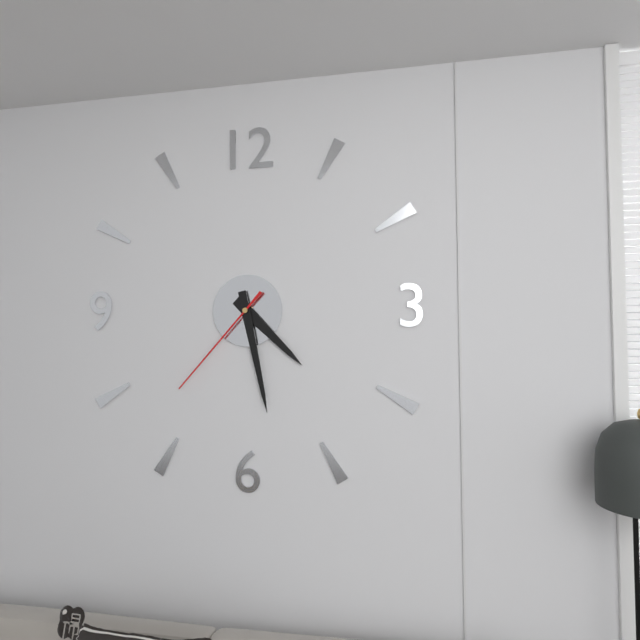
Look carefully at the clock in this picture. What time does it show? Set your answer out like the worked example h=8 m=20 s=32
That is h=4 m=28 s=37
